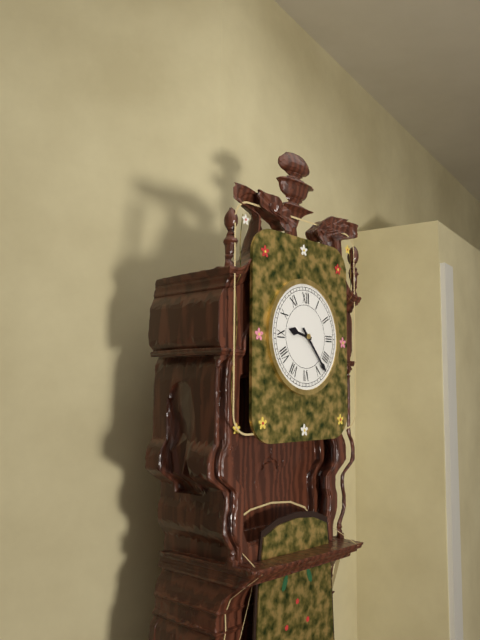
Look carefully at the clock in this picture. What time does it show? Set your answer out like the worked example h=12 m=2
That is h=9 m=23
